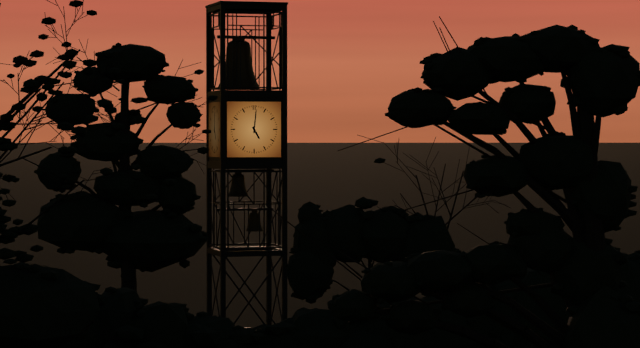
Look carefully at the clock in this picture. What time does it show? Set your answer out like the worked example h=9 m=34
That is h=5 m=1
